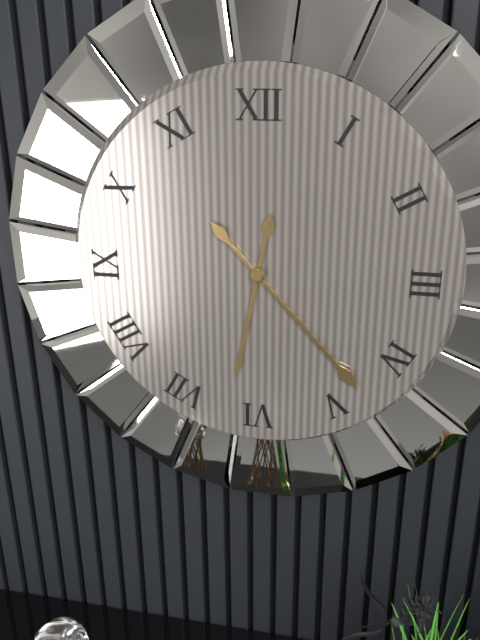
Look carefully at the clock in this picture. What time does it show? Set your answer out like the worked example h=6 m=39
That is h=6 m=23
